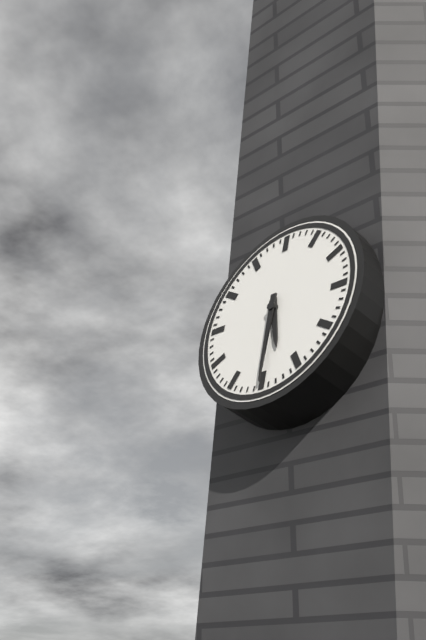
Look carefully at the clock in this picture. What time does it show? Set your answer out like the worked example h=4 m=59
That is h=5 m=30
